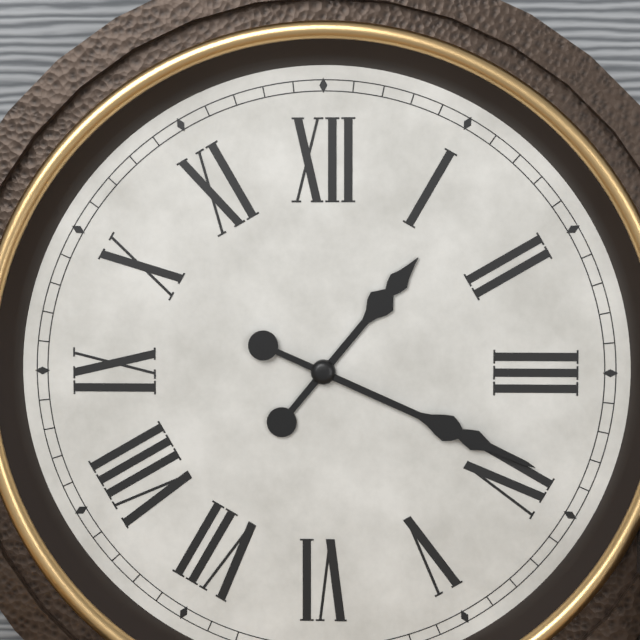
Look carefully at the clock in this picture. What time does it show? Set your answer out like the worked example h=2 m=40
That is h=1 m=19
